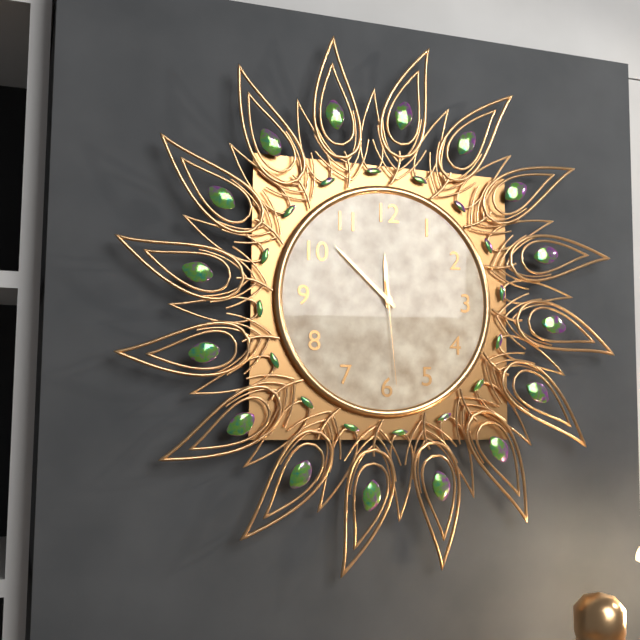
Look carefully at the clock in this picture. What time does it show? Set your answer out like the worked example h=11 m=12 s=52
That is h=11 m=52 s=29
